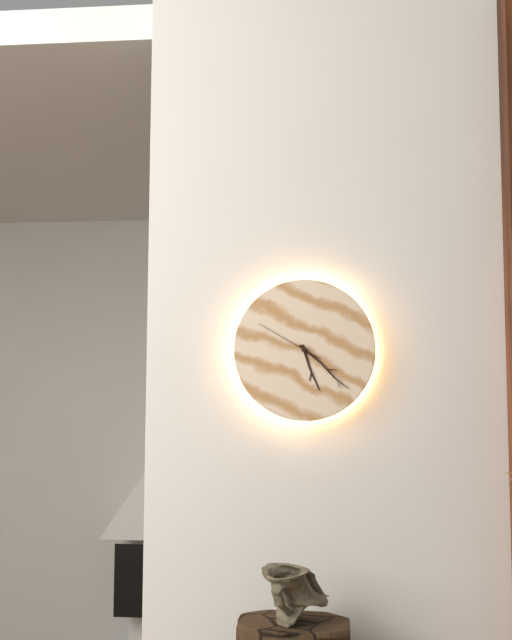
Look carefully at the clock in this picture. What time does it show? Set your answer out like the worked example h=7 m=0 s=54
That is h=5 m=22 s=50
